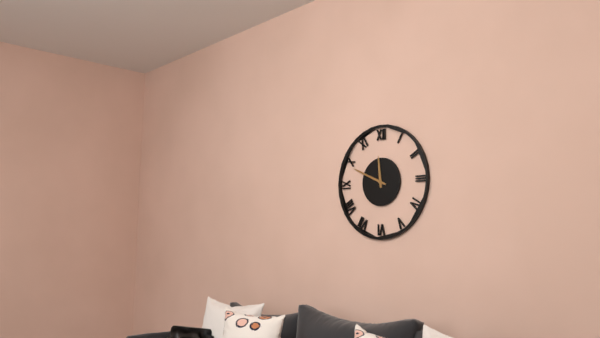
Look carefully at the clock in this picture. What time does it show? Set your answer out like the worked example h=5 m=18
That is h=11 m=49
